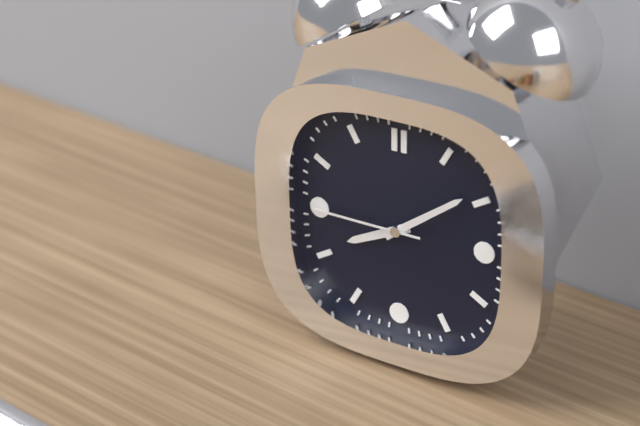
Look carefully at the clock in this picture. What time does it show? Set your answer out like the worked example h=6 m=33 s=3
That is h=8 m=9 s=45
